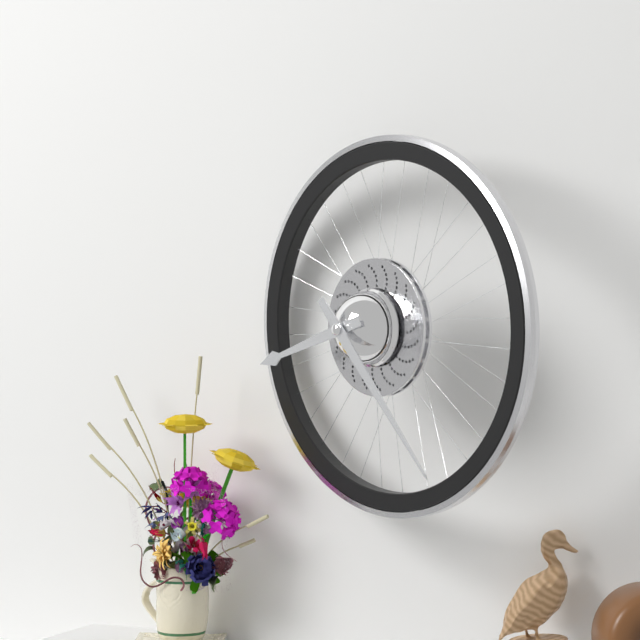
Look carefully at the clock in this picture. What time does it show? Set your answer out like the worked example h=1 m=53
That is h=8 m=23
